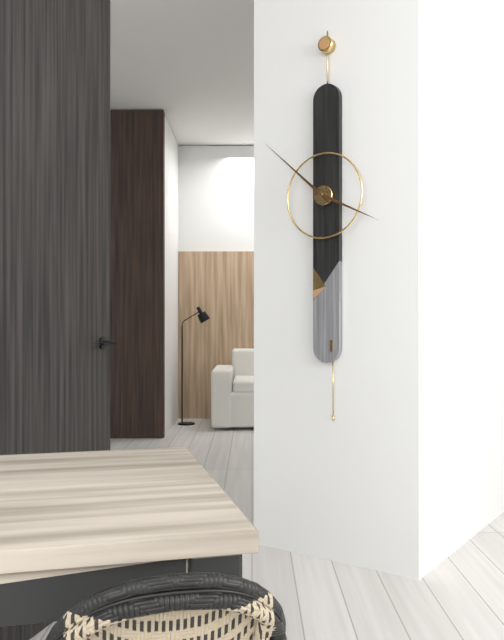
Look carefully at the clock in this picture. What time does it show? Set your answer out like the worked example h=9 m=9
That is h=3 m=52
